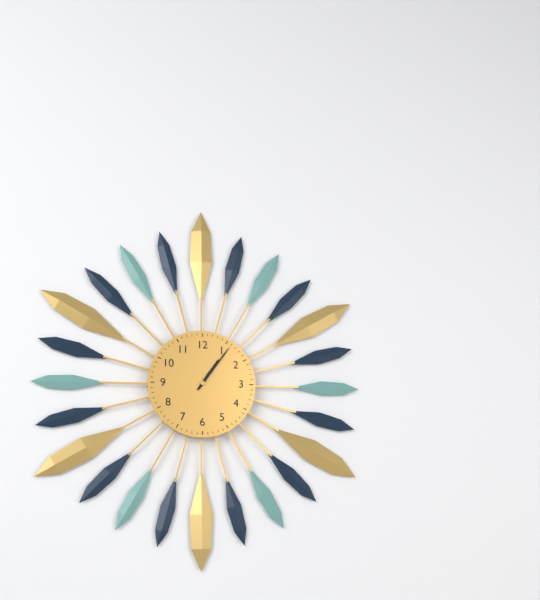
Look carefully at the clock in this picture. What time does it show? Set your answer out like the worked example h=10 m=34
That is h=1 m=6
